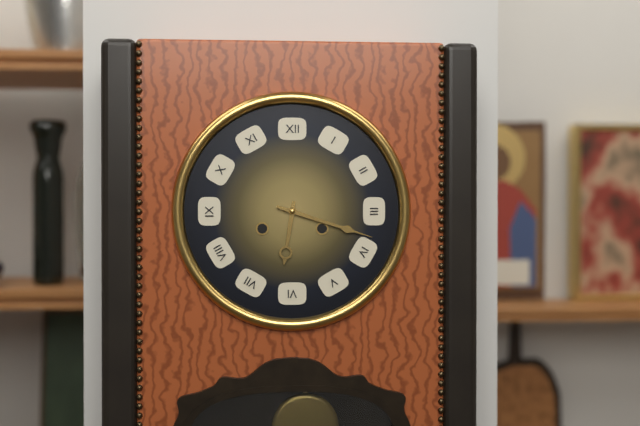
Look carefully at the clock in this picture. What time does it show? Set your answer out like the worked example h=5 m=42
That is h=6 m=18
